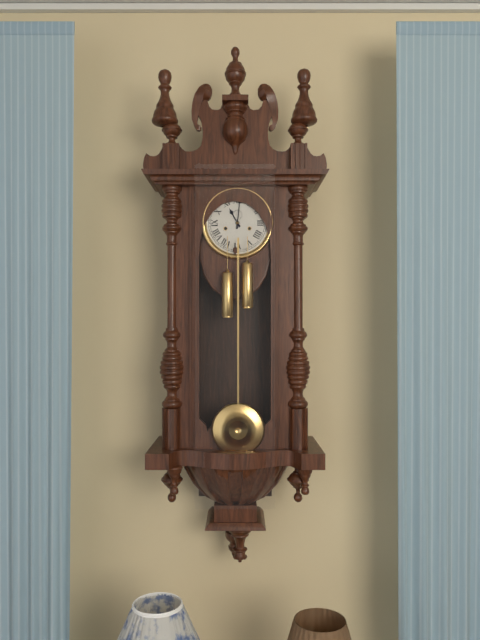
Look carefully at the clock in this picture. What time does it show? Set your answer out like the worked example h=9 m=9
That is h=11 m=1
